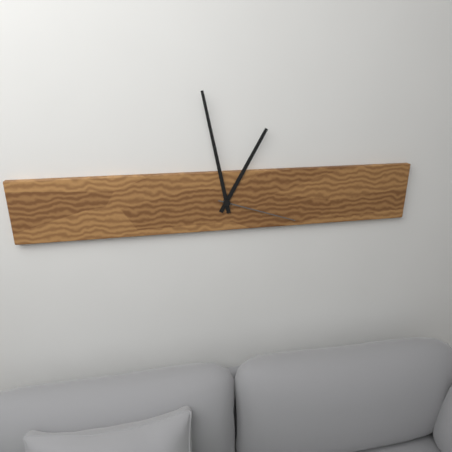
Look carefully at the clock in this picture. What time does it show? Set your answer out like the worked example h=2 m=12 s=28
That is h=12 m=58 s=18
